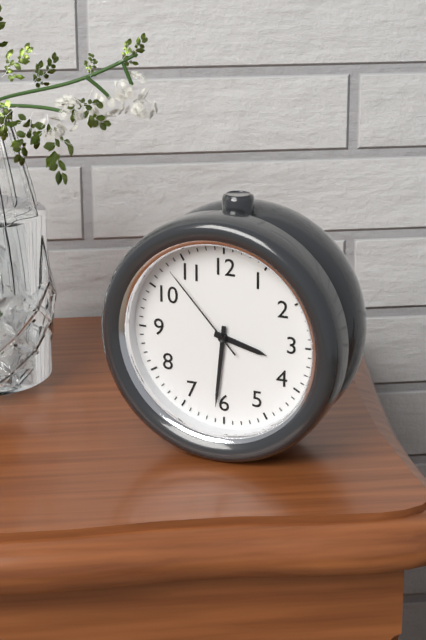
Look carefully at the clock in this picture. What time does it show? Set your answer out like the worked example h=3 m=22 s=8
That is h=3 m=31 s=53
